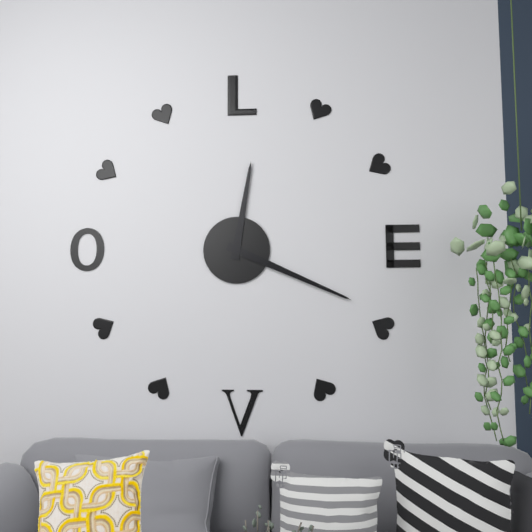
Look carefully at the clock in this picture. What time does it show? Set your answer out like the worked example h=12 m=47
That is h=12 m=19
